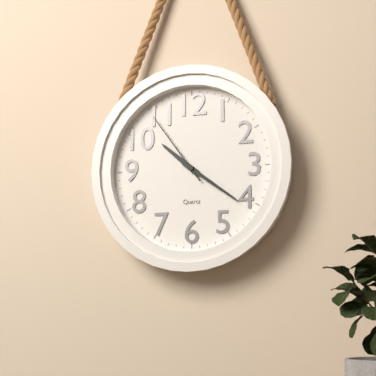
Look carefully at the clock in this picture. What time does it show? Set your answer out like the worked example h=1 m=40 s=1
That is h=10 m=21 s=54
